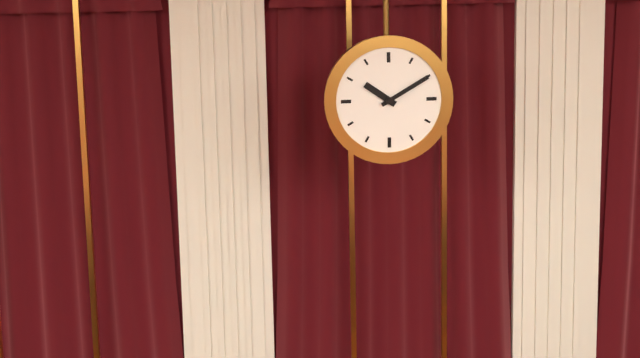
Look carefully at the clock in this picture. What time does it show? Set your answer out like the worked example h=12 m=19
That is h=10 m=10
